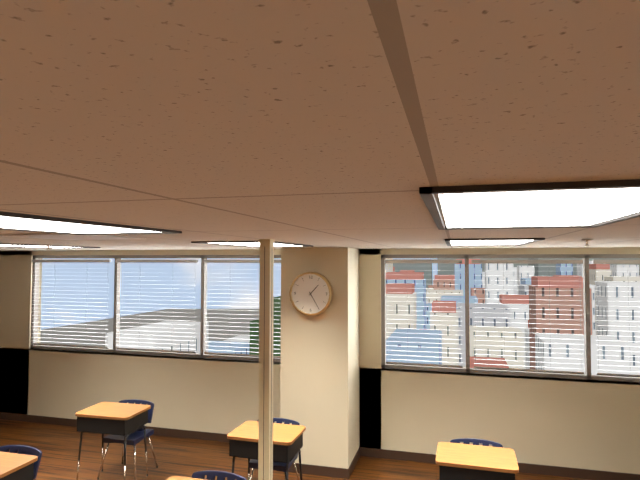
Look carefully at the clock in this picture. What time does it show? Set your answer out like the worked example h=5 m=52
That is h=1 m=25
